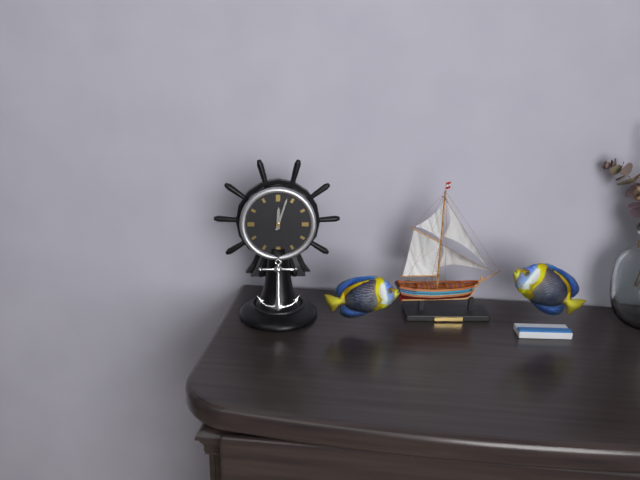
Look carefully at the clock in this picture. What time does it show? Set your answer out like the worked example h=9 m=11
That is h=12 m=3
